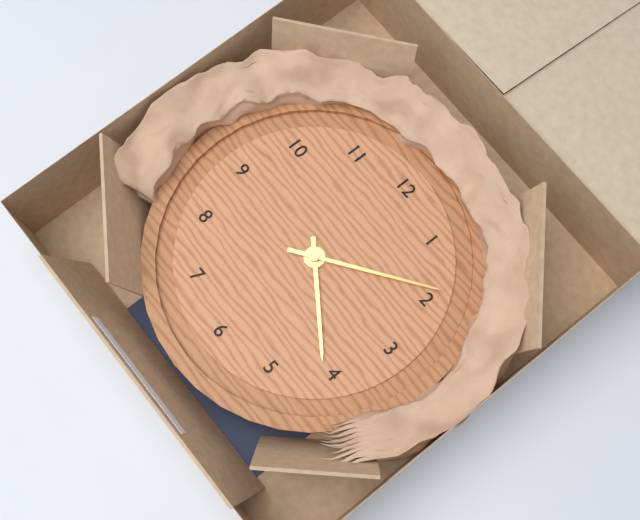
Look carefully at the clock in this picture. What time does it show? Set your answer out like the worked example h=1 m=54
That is h=4 m=9
